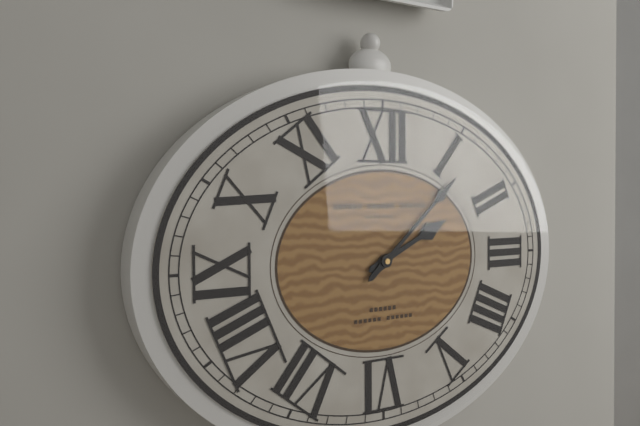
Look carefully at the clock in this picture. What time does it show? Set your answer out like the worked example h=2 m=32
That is h=2 m=8
